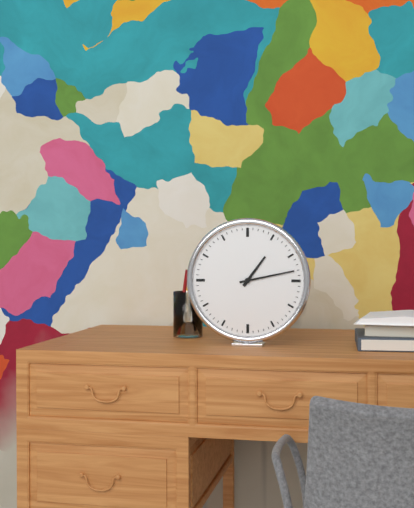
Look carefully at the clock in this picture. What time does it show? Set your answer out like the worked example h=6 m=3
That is h=1 m=13
